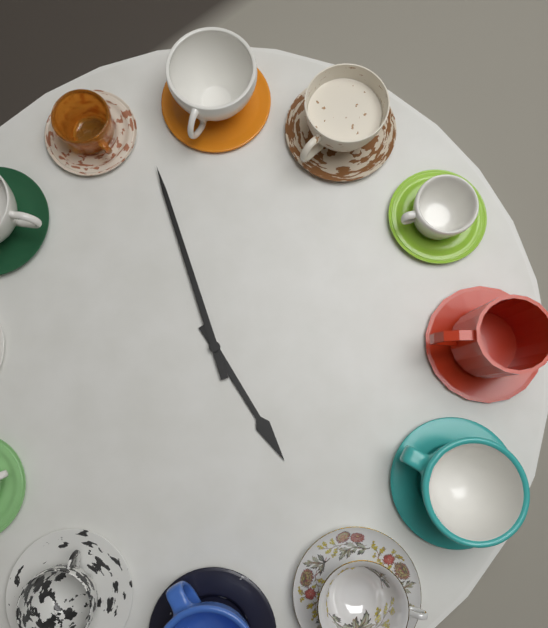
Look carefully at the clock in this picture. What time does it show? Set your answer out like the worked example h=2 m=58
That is h=4 m=57
